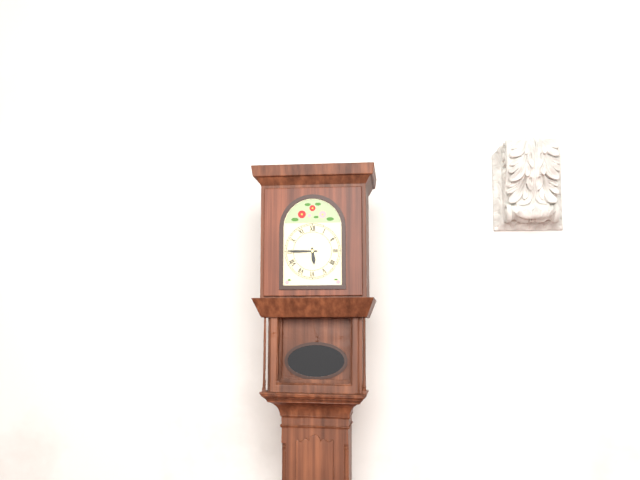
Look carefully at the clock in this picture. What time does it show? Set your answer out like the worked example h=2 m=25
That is h=5 m=45
